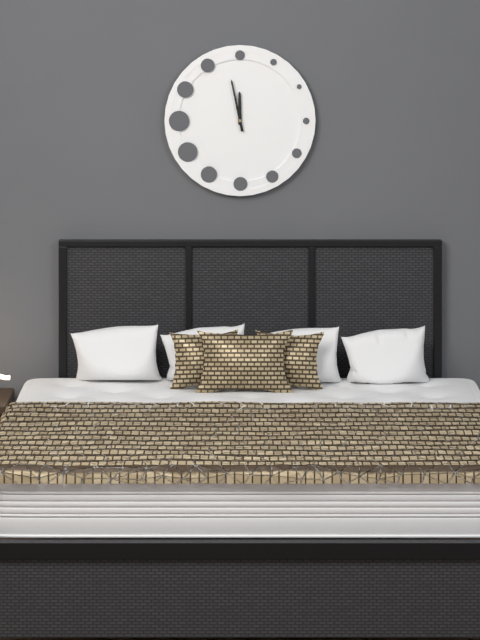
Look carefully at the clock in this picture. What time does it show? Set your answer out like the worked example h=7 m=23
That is h=11 m=58
